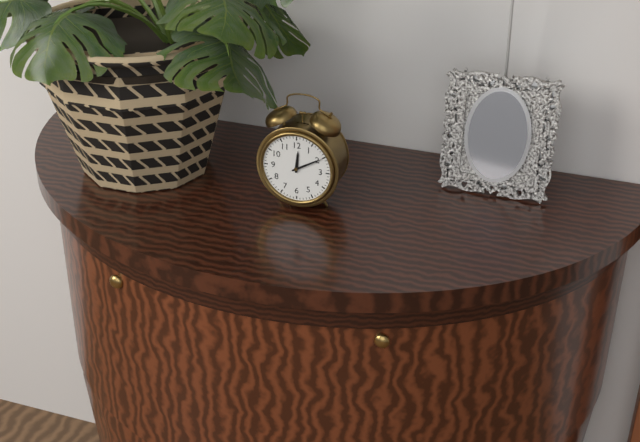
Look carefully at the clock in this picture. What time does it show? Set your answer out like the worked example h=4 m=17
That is h=12 m=10
